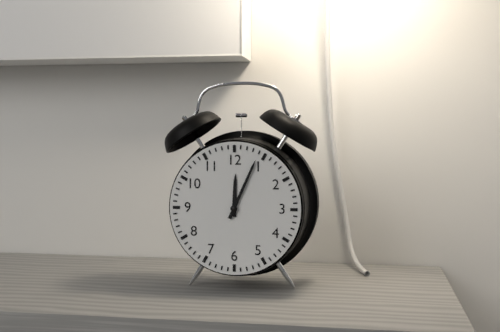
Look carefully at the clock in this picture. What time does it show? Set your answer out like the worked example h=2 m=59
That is h=12 m=4
